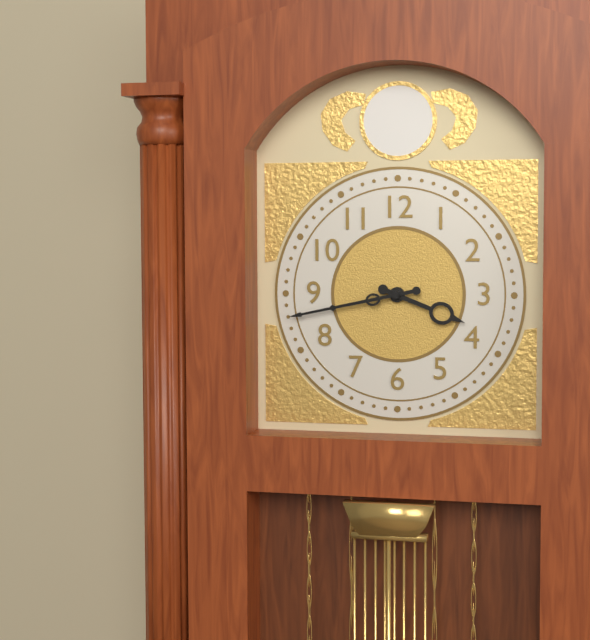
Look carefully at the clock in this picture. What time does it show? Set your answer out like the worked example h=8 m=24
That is h=3 m=43
